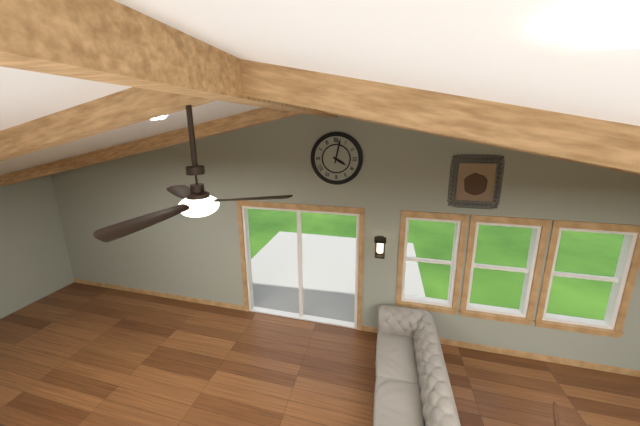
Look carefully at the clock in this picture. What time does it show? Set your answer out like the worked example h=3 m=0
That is h=4 m=2
